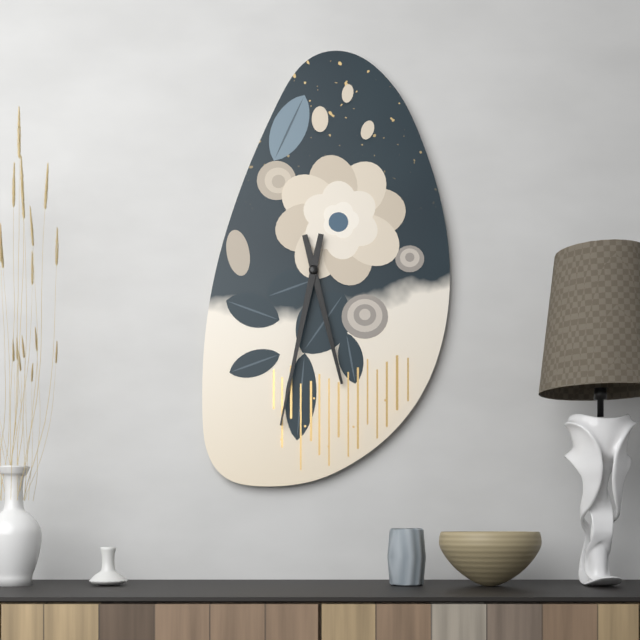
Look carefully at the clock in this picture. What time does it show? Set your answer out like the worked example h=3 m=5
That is h=5 m=32
